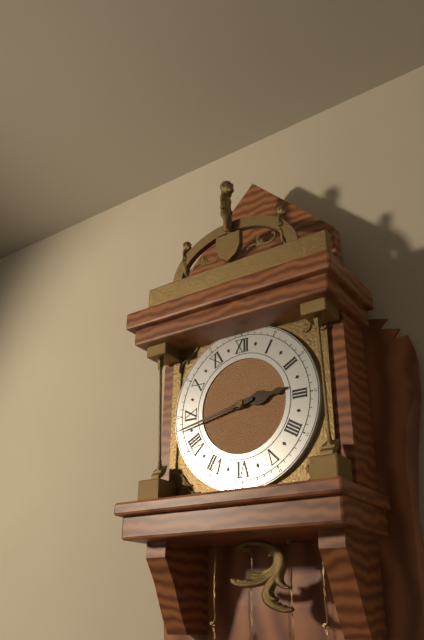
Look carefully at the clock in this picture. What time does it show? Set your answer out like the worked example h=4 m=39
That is h=2 m=43
